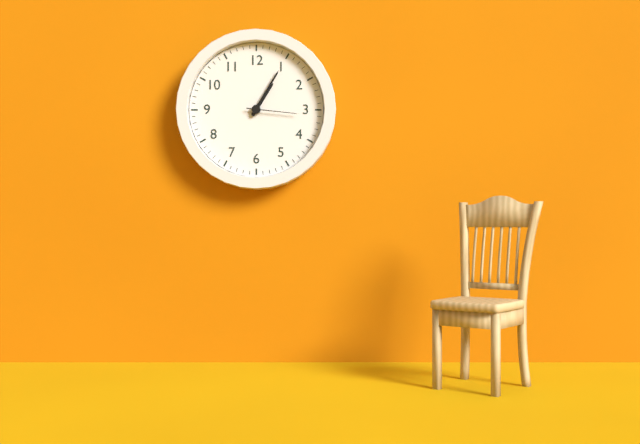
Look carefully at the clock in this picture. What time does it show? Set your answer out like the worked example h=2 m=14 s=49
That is h=1 m=5 s=16
